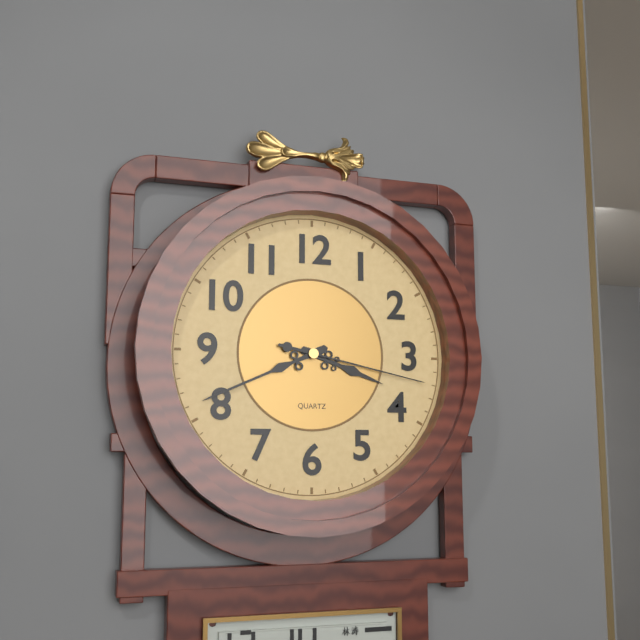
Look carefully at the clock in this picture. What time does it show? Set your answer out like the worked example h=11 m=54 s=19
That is h=3 m=41 s=17
